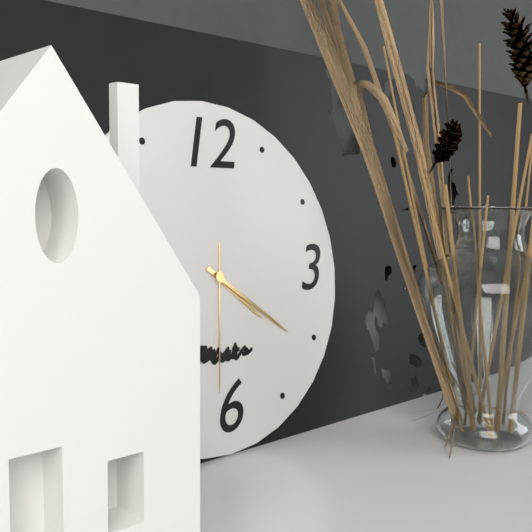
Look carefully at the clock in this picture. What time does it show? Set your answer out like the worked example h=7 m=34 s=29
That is h=4 m=21 s=31
